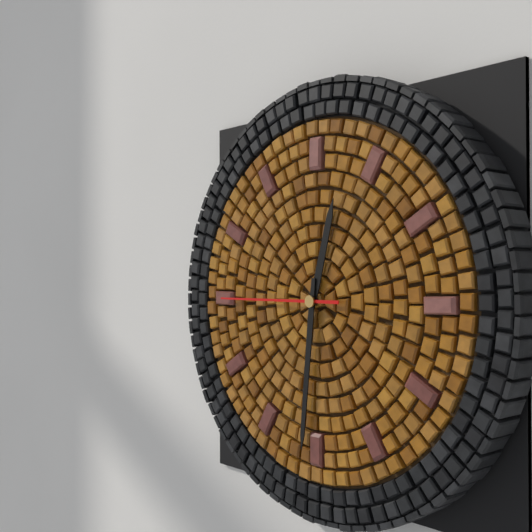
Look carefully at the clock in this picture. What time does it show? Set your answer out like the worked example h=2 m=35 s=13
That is h=12 m=31 s=45
